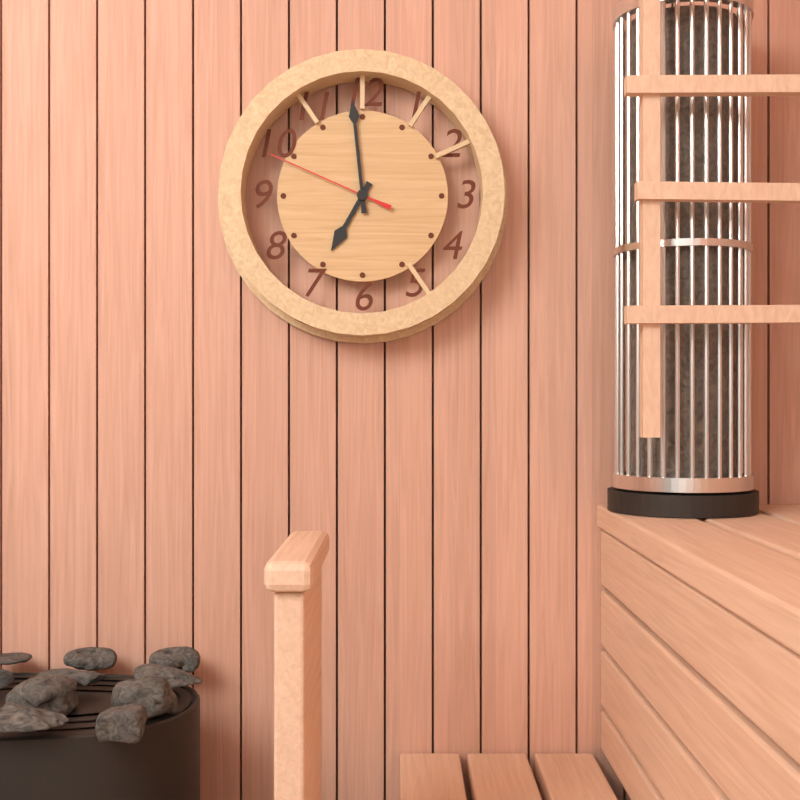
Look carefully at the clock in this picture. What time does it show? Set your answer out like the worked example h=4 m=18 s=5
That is h=6 m=59 s=49
